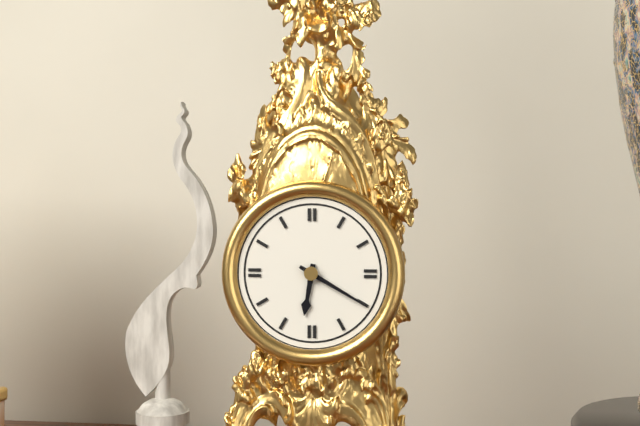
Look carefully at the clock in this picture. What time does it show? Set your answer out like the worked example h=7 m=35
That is h=6 m=20
